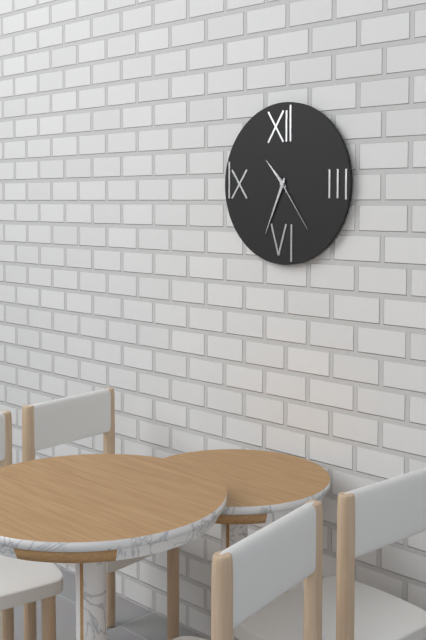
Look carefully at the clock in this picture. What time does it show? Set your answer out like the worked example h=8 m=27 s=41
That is h=10 m=34 s=24
